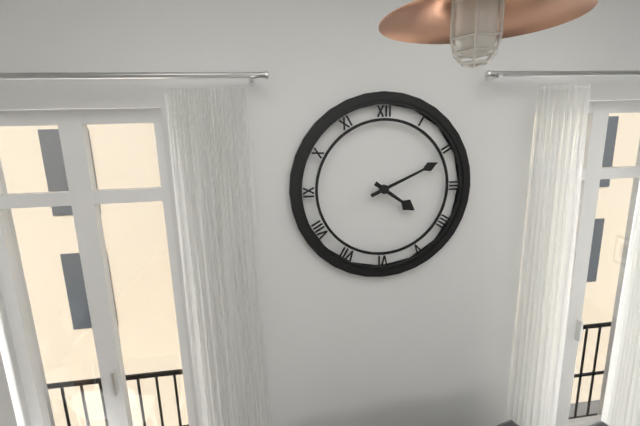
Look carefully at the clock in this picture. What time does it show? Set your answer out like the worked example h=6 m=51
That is h=4 m=11
